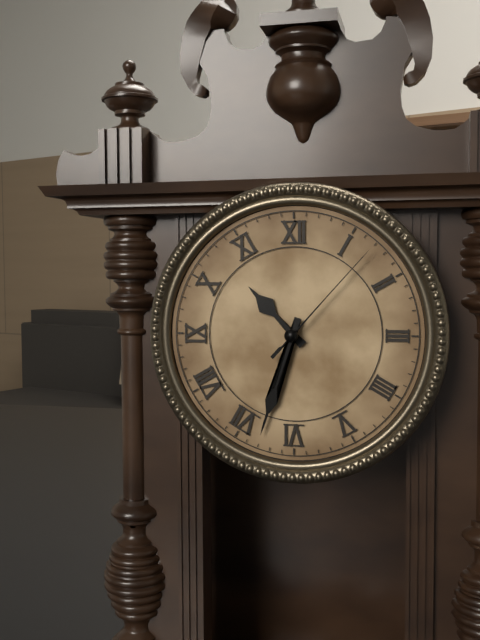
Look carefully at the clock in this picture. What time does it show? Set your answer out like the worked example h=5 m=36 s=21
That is h=10 m=33 s=7
